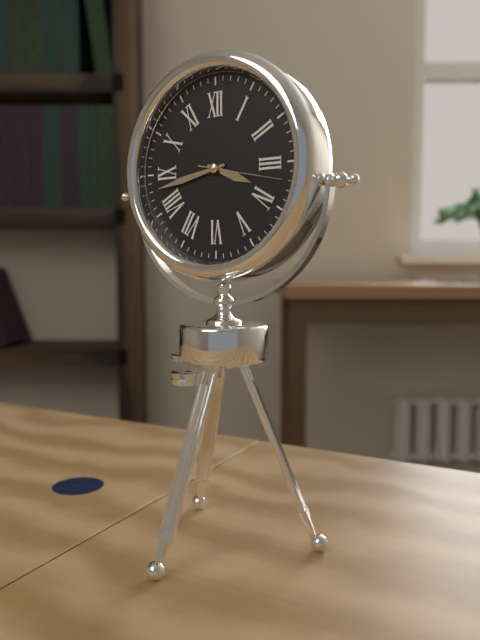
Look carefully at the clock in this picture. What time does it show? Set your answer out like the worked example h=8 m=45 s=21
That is h=3 m=43 s=17
